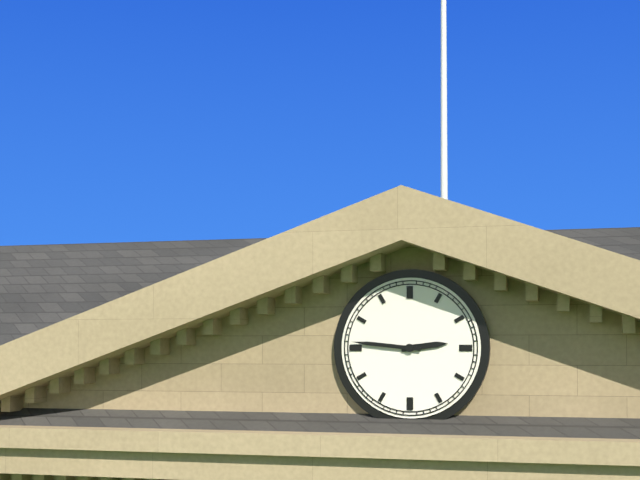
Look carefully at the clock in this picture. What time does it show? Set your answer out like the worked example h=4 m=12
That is h=2 m=46
